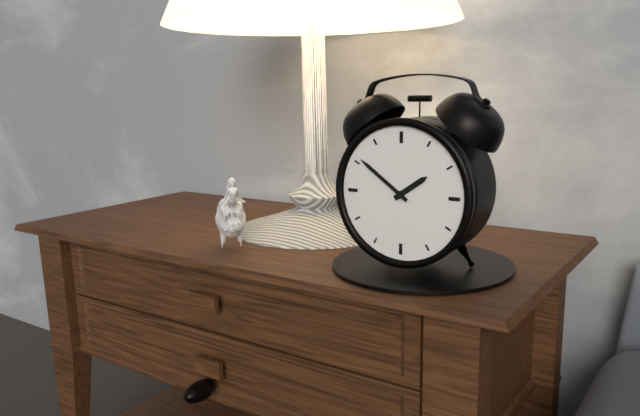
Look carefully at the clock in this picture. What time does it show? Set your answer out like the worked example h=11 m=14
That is h=1 m=51
